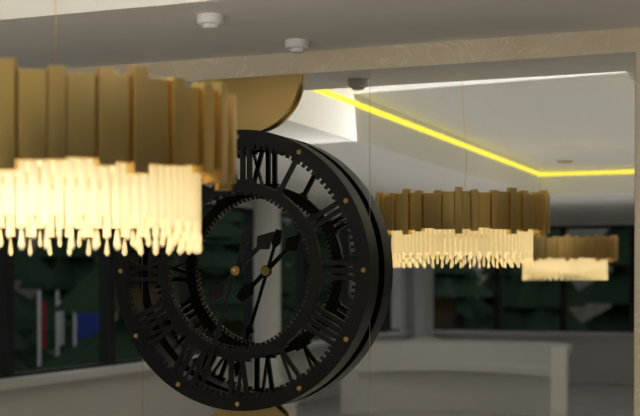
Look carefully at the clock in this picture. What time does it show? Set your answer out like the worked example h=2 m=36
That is h=1 m=33
